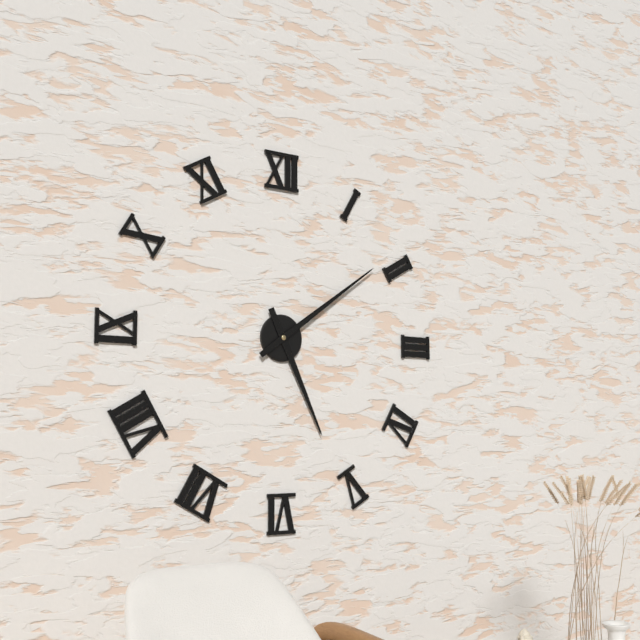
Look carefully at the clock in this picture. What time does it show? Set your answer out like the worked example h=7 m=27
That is h=5 m=9
